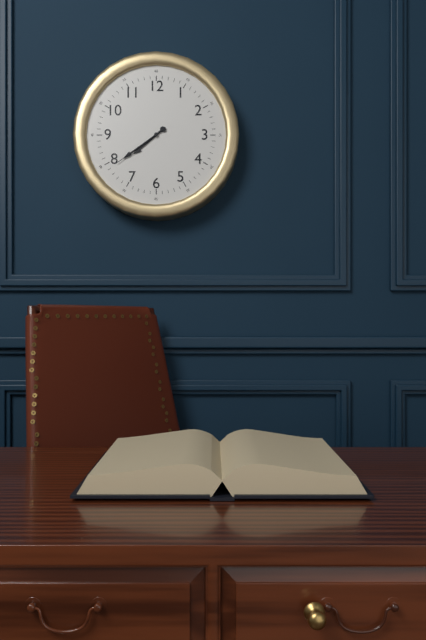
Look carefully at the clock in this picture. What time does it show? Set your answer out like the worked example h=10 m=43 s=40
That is h=7 m=39 s=39
